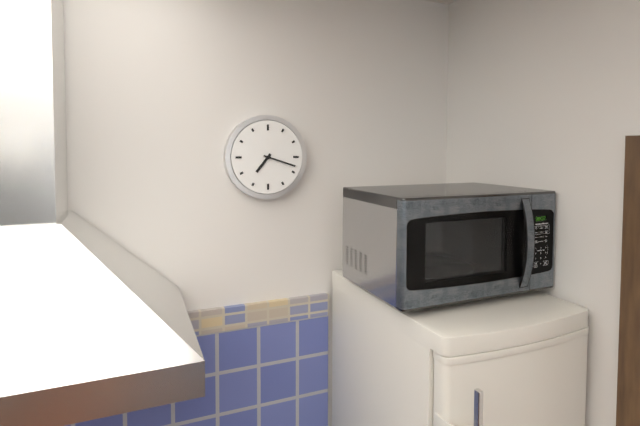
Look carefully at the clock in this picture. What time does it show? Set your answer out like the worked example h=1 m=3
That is h=7 m=18
